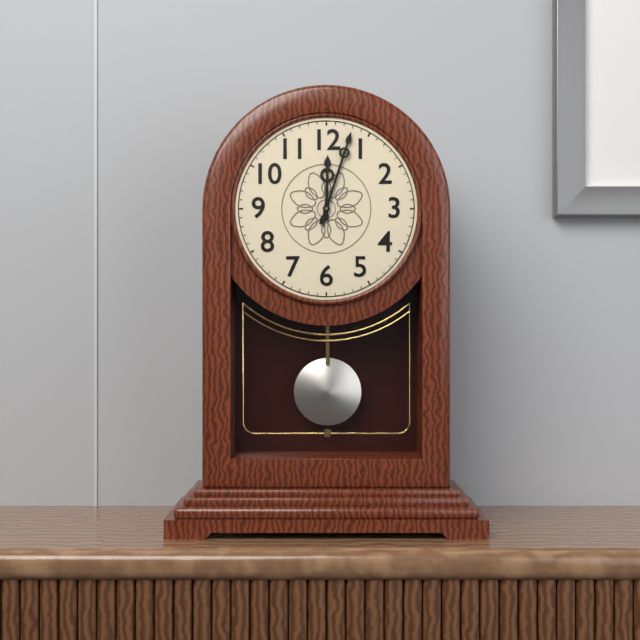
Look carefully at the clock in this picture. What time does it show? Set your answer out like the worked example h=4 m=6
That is h=12 m=3
